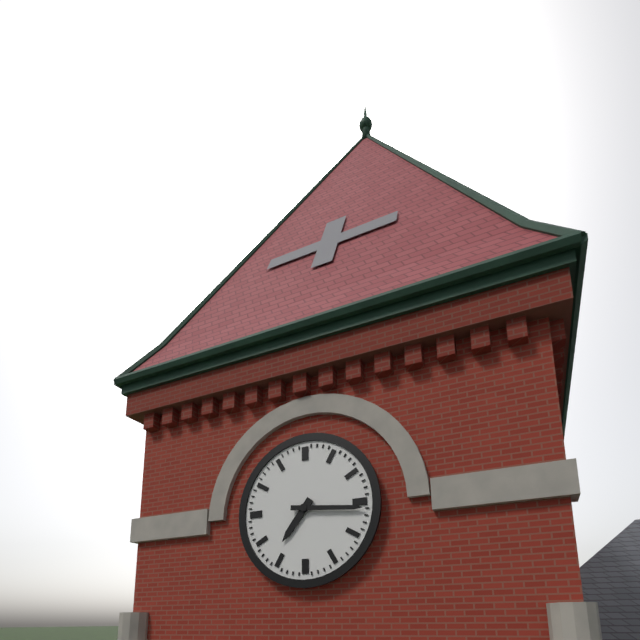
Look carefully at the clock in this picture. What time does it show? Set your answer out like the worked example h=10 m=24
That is h=7 m=16
